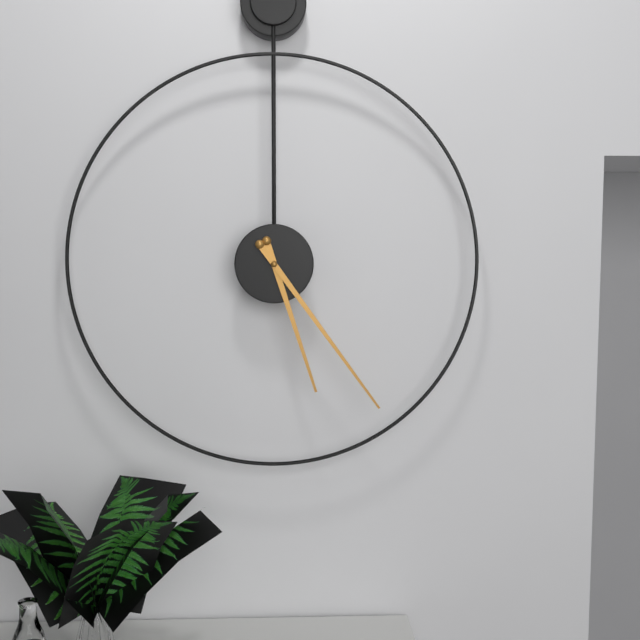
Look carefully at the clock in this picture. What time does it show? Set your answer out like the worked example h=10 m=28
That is h=5 m=24
